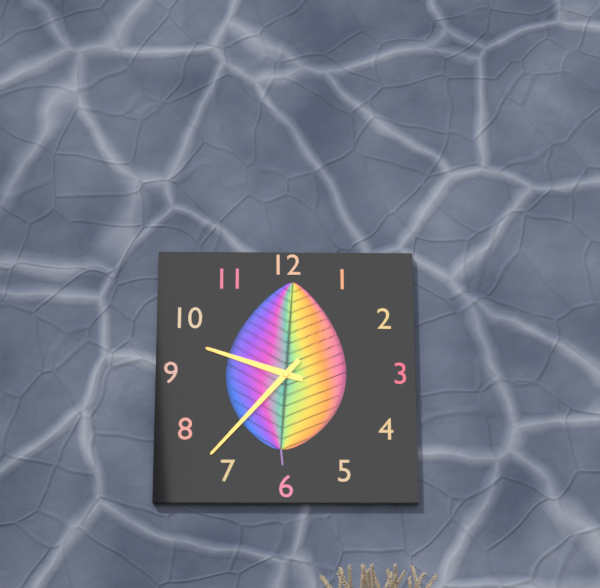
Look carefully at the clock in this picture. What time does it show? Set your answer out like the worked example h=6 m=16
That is h=9 m=37
